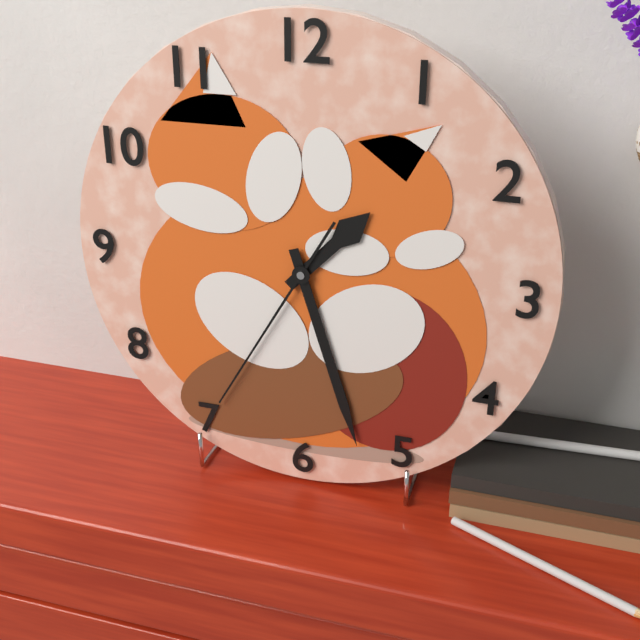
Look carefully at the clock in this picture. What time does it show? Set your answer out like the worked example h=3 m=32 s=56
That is h=1 m=27 s=35
